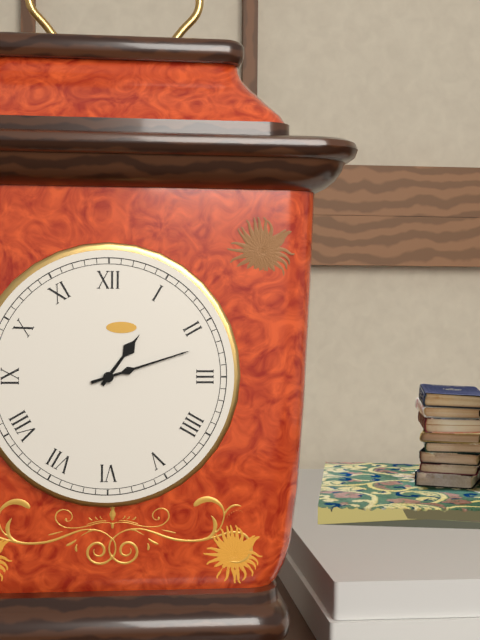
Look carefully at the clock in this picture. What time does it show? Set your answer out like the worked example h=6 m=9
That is h=1 m=12
